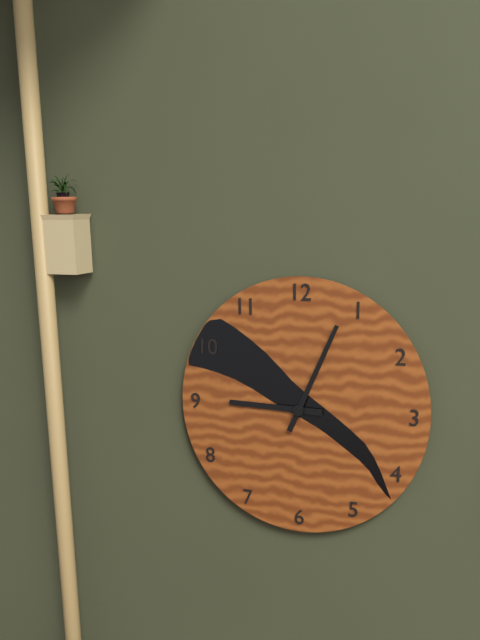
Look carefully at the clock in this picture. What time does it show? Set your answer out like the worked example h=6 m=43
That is h=9 m=4
